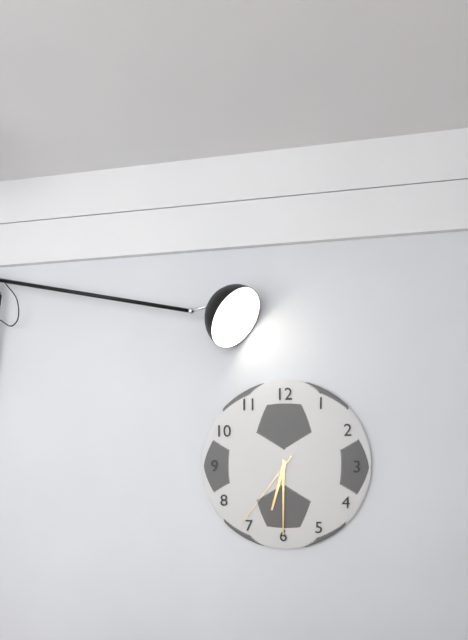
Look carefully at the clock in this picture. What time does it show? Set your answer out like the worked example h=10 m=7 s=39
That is h=6 m=30 s=36
